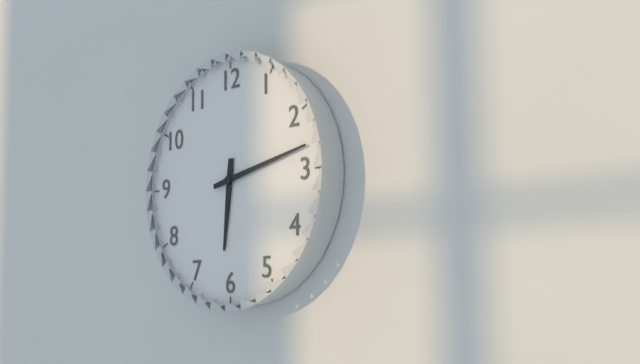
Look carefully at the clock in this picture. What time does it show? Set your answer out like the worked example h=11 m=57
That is h=6 m=13
